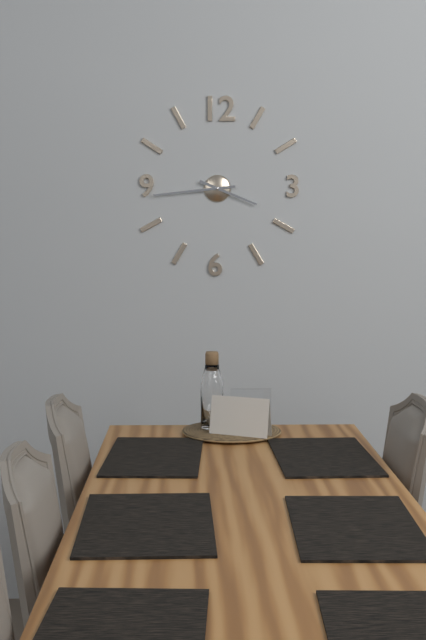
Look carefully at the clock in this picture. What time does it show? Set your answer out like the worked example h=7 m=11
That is h=3 m=44
